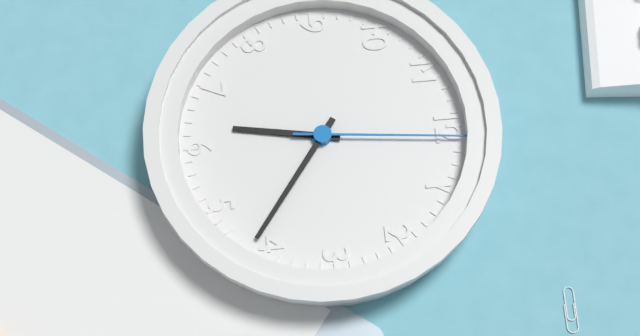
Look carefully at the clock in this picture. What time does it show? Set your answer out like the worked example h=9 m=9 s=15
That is h=6 m=21 s=1
